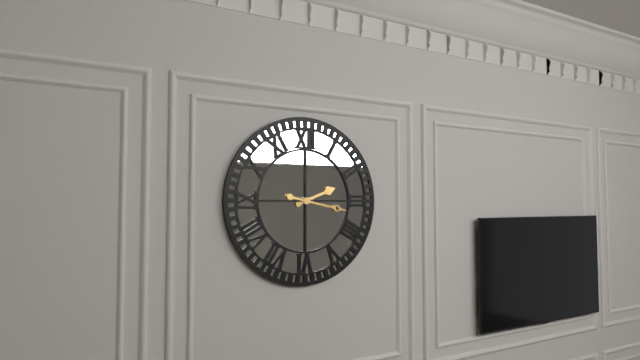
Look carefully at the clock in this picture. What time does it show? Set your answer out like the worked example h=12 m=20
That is h=2 m=17
